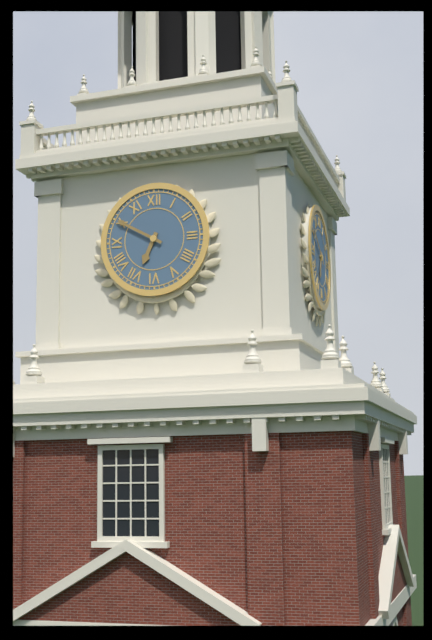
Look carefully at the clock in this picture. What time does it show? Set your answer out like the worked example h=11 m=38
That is h=6 m=50
